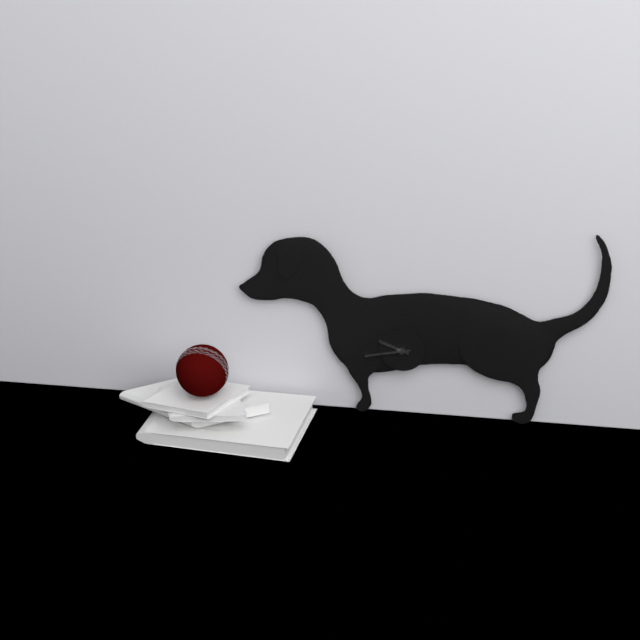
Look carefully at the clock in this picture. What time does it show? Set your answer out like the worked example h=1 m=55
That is h=9 m=43
